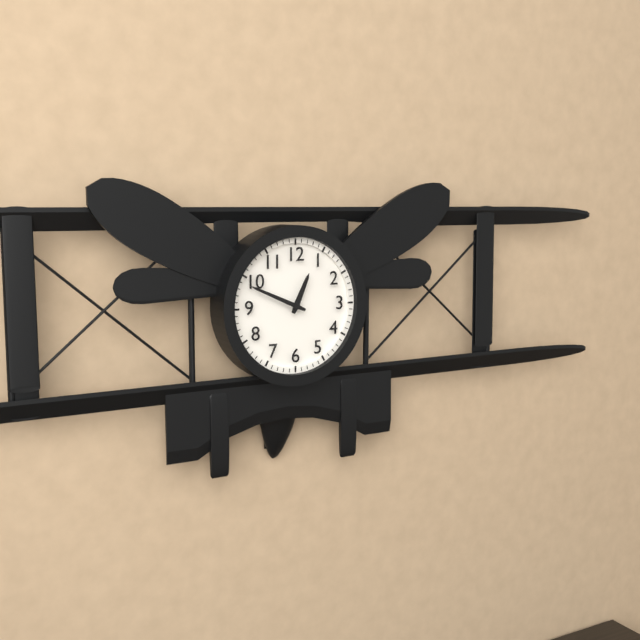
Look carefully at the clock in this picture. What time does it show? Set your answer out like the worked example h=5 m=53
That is h=12 m=49
